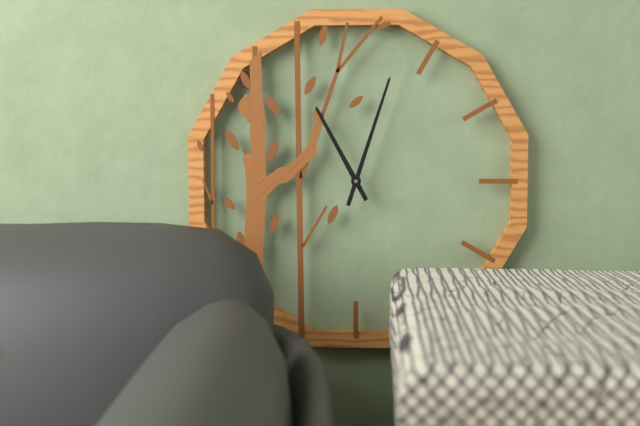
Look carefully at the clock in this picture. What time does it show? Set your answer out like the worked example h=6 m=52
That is h=11 m=3
